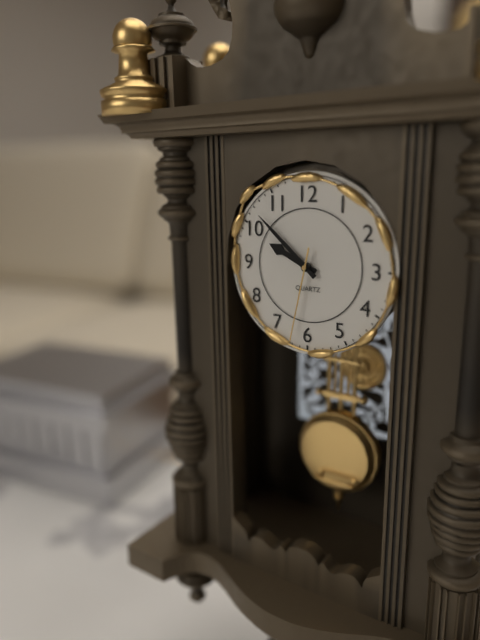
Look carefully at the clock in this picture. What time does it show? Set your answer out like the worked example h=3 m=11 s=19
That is h=9 m=52 s=32
